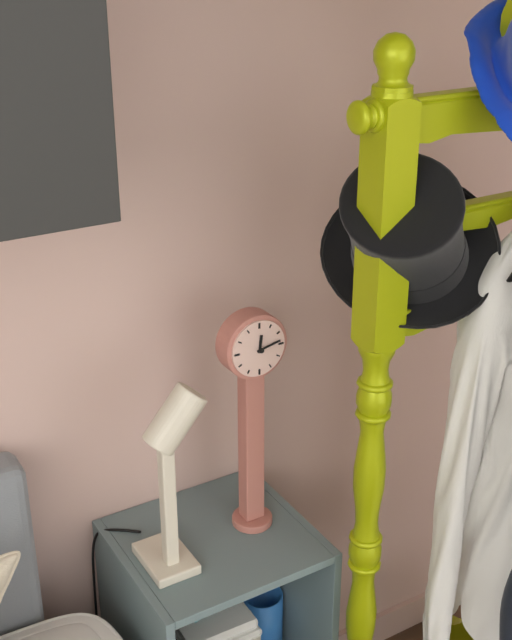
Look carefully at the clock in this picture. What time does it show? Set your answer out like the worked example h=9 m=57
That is h=12 m=13
